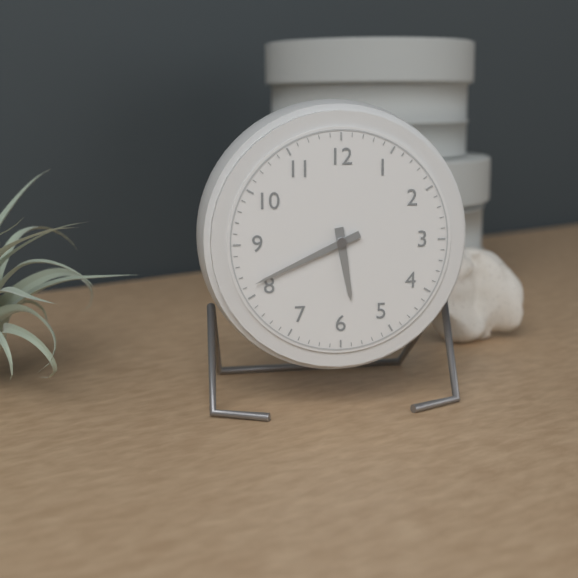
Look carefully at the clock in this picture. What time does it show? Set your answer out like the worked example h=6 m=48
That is h=5 m=41
